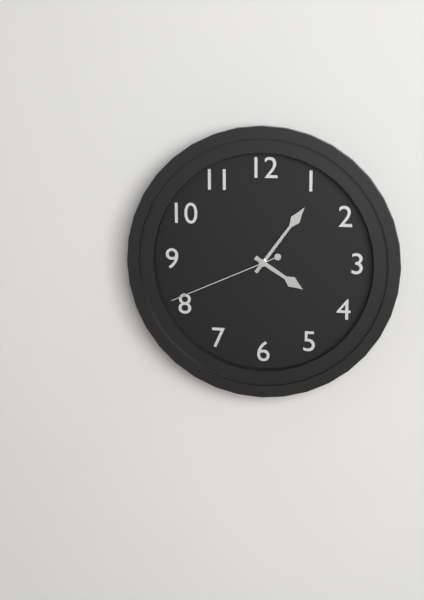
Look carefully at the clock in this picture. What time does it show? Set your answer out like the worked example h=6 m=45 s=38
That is h=4 m=6 s=41
